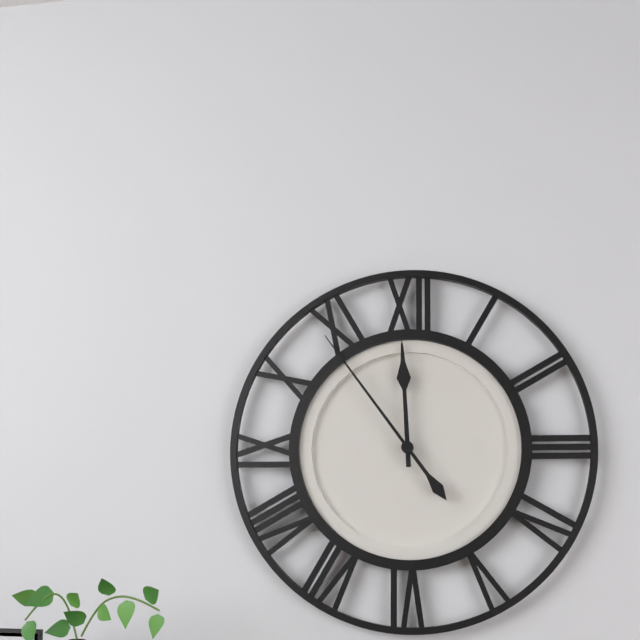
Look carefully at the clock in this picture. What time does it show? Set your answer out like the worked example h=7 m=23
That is h=11 m=54
